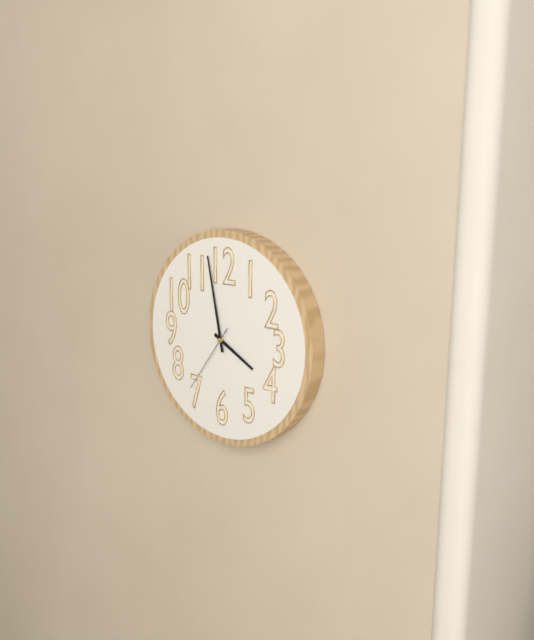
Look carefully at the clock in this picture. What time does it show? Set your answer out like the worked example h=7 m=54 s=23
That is h=3 m=58 s=36
